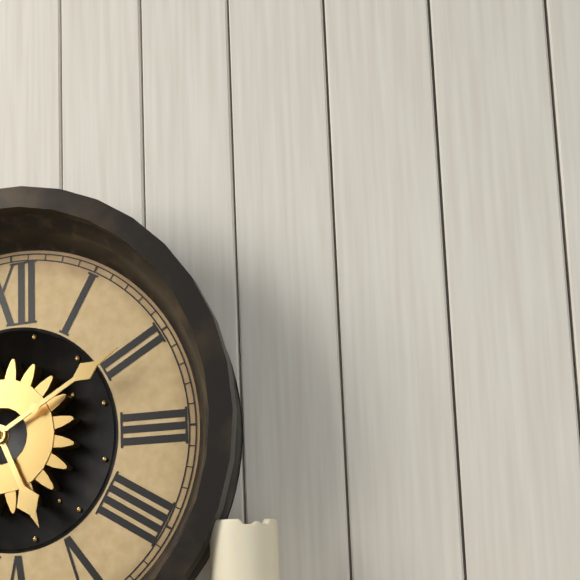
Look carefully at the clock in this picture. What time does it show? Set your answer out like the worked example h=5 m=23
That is h=5 m=10
